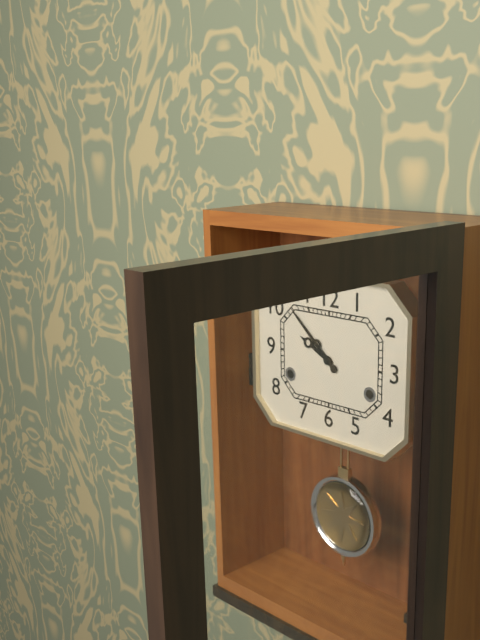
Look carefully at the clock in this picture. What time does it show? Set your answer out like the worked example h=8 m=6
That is h=9 m=52
